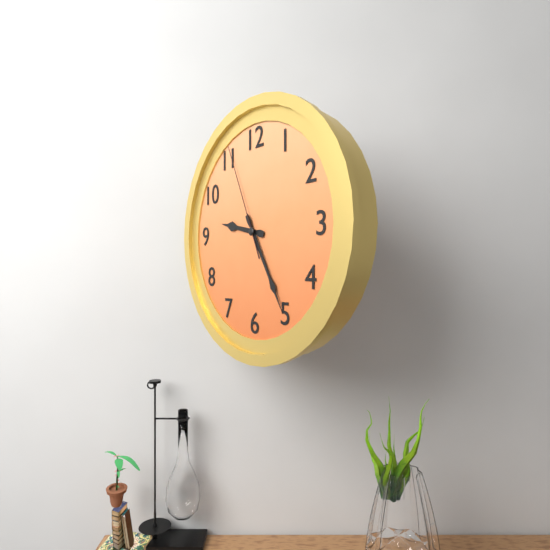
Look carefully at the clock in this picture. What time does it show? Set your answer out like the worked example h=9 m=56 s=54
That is h=9 m=25 s=56
